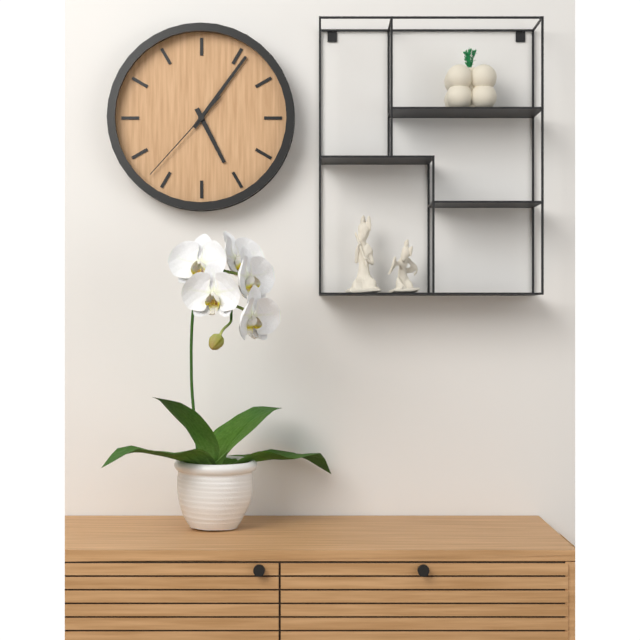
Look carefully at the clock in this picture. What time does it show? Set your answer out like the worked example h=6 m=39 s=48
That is h=5 m=6 s=37
